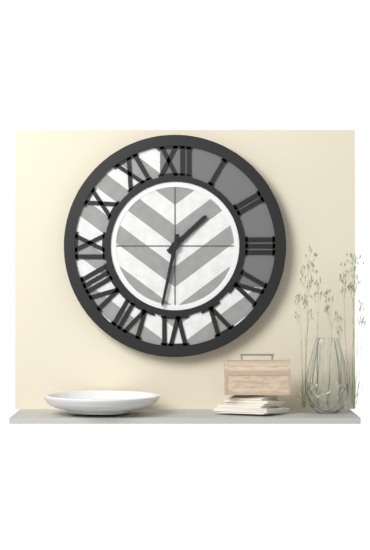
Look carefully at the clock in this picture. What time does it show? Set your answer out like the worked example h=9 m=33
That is h=1 m=32
